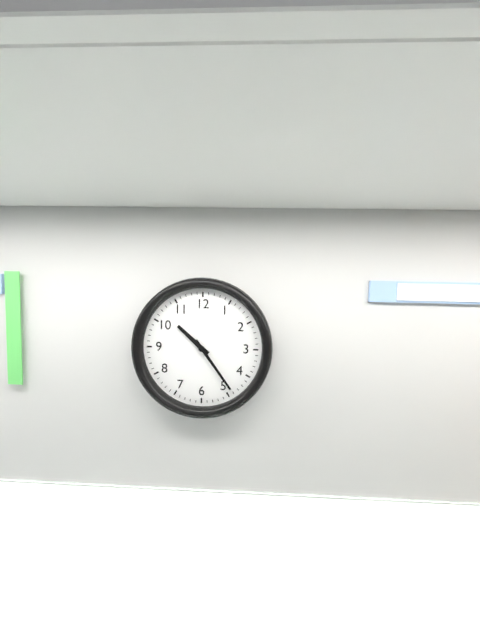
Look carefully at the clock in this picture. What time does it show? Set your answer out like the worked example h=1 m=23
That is h=10 m=24
